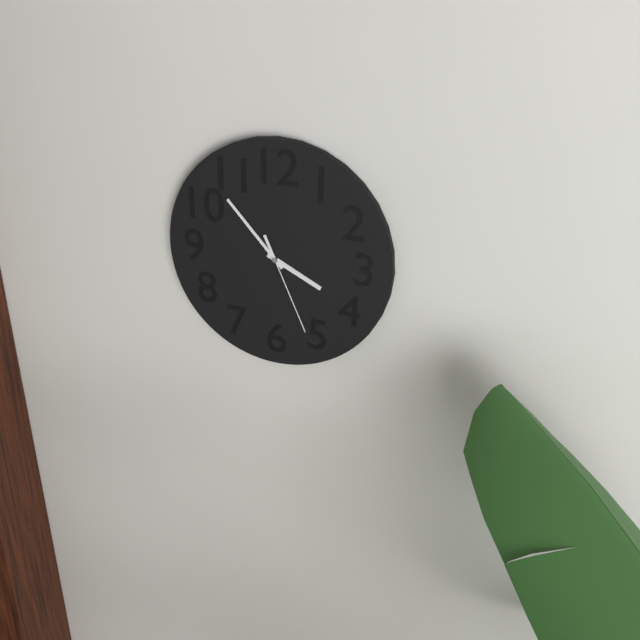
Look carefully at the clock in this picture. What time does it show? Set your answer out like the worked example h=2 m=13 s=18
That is h=3 m=53 s=26
